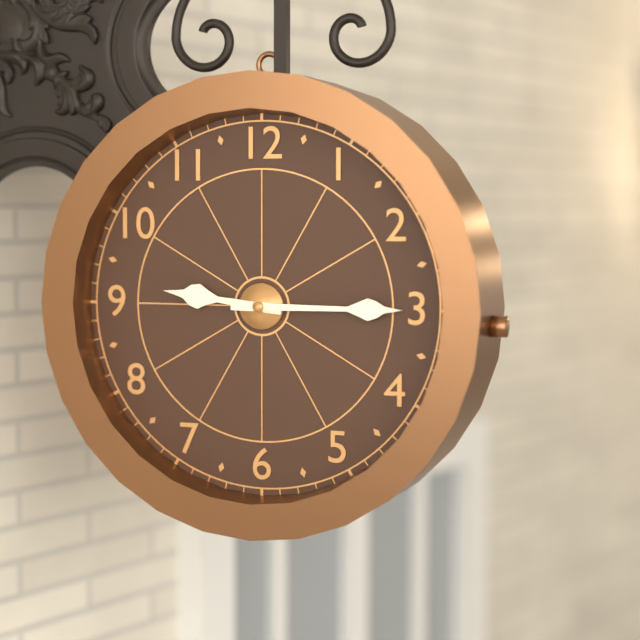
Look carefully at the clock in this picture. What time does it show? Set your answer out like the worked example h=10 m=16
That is h=9 m=15
